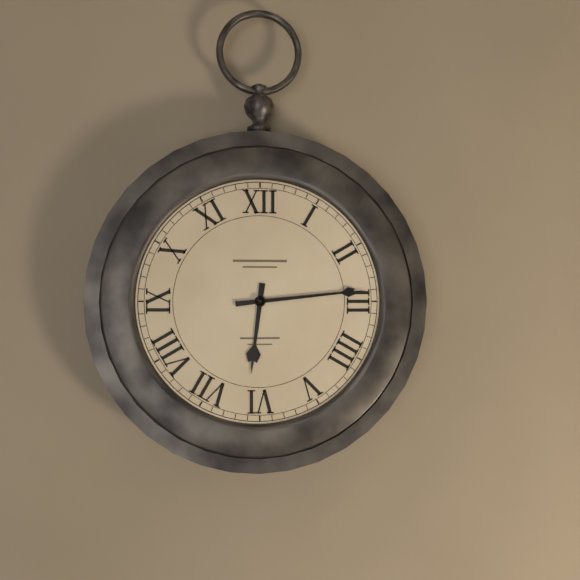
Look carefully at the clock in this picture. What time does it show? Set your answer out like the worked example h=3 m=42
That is h=6 m=14
